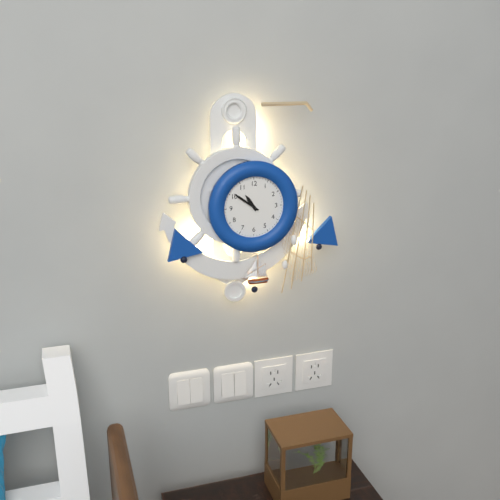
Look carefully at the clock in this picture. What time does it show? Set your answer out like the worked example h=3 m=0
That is h=10 m=51
